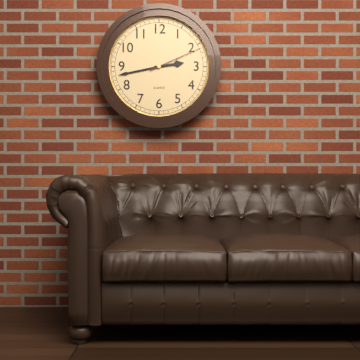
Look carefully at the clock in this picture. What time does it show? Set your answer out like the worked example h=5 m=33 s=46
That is h=2 m=43 s=11
